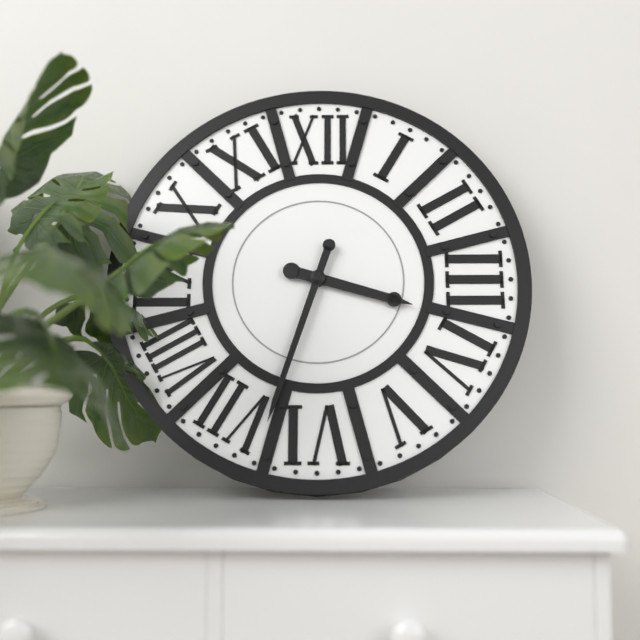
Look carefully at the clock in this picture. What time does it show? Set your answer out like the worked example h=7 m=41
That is h=3 m=33
